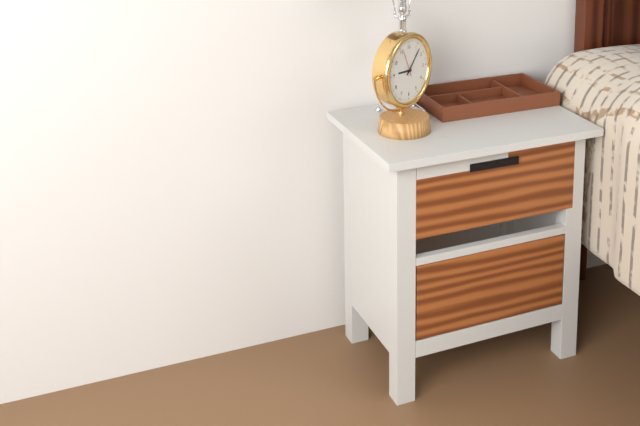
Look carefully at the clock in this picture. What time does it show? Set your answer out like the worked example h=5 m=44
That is h=9 m=7
